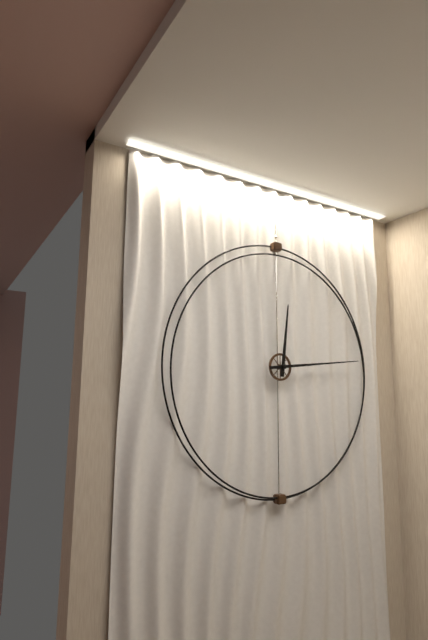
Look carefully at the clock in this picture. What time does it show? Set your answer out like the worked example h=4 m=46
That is h=12 m=14
